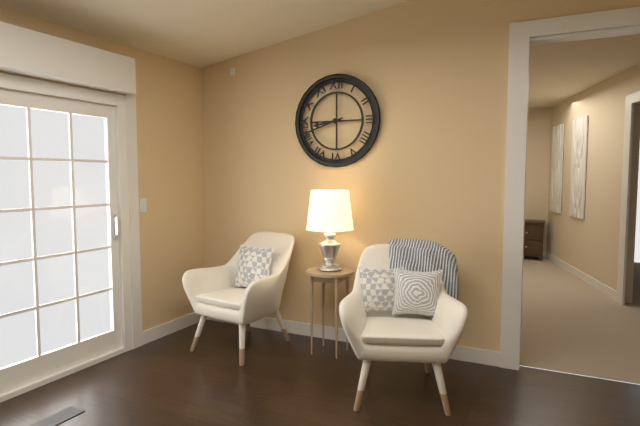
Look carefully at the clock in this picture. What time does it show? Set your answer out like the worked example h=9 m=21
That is h=8 m=42
